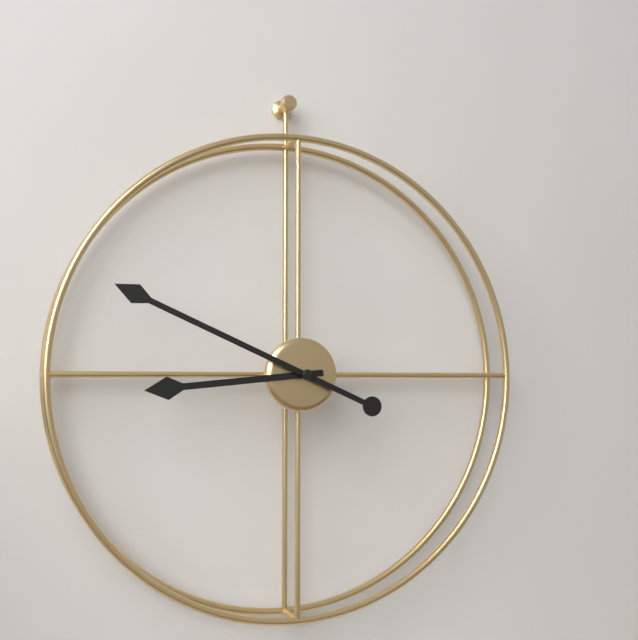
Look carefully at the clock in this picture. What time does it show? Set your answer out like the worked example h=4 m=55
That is h=8 m=49
